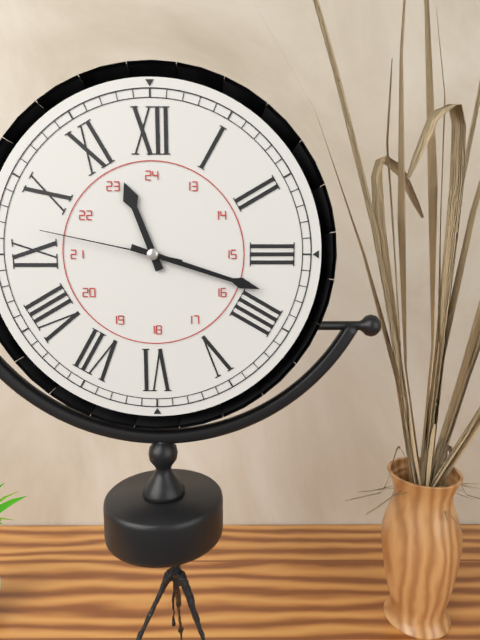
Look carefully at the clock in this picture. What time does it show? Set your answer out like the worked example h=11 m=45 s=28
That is h=11 m=18 s=47
